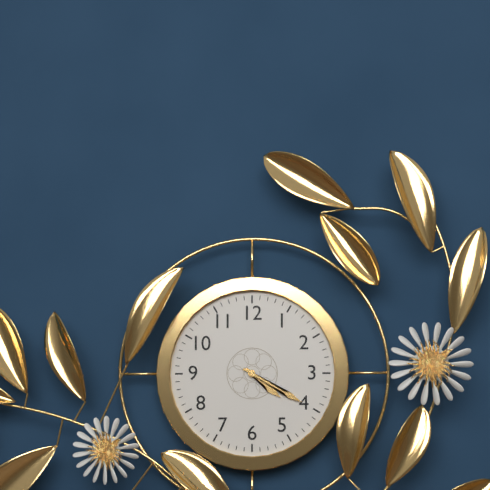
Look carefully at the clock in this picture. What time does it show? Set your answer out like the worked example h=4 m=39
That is h=4 m=20
